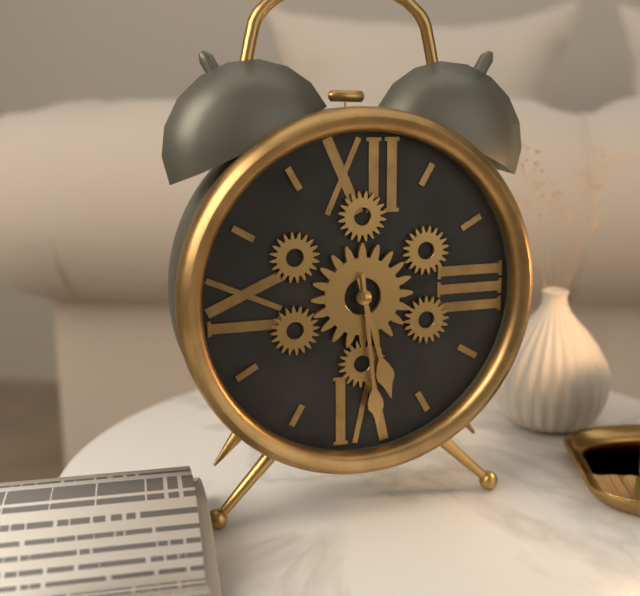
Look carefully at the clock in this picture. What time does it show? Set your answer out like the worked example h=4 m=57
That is h=5 m=29
